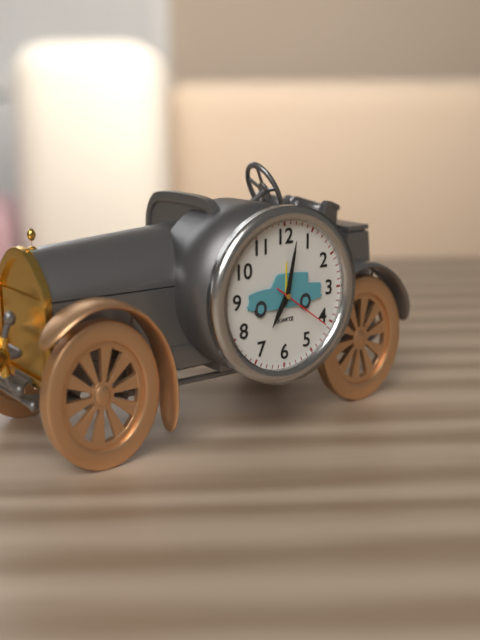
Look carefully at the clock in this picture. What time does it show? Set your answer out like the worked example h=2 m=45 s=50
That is h=7 m=2 s=21
